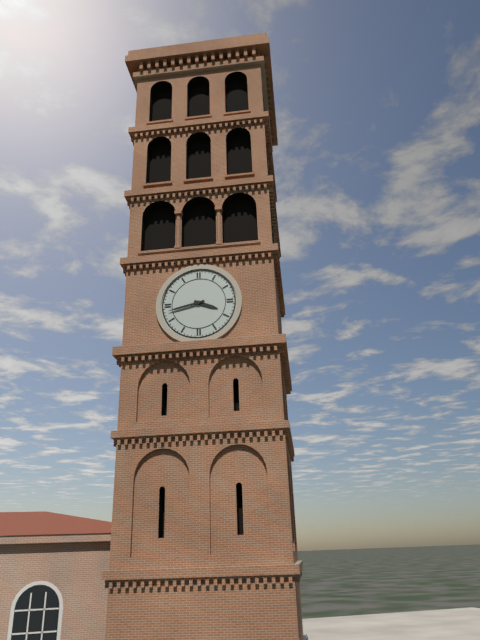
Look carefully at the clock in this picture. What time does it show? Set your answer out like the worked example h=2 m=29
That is h=3 m=43
